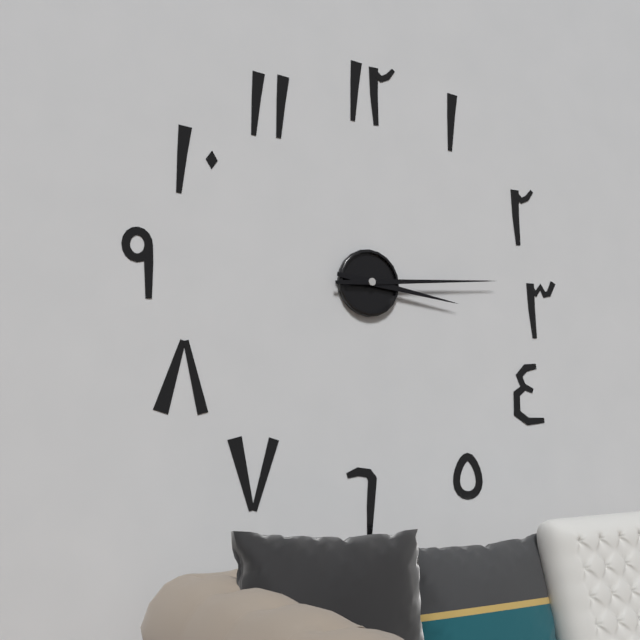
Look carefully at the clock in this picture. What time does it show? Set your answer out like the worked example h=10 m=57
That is h=3 m=14
